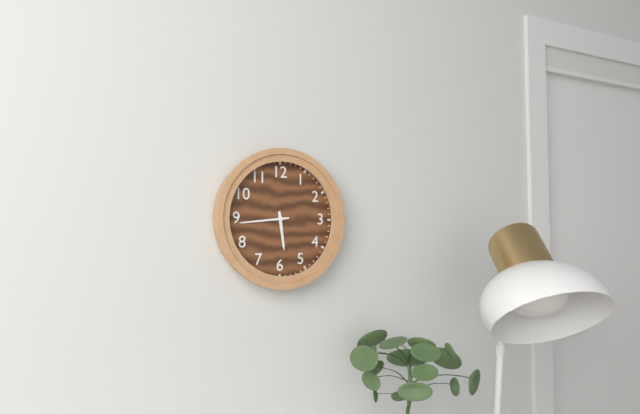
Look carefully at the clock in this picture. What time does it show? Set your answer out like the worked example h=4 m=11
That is h=5 m=44
